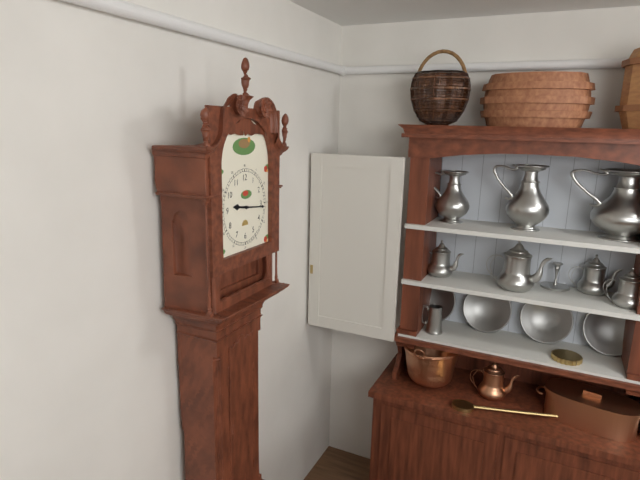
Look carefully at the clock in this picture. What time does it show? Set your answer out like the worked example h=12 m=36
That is h=9 m=16
